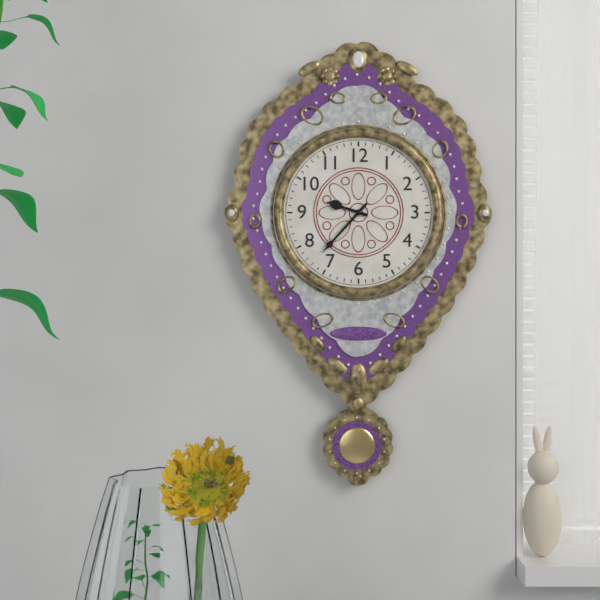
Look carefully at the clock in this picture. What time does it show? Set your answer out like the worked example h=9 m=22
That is h=9 m=37
